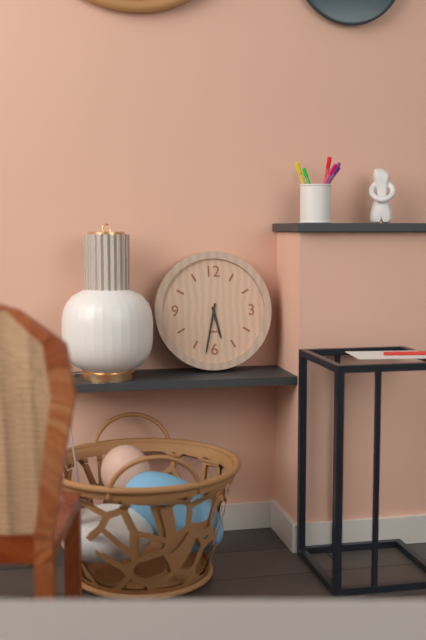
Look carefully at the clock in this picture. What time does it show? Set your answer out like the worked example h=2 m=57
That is h=5 m=32
